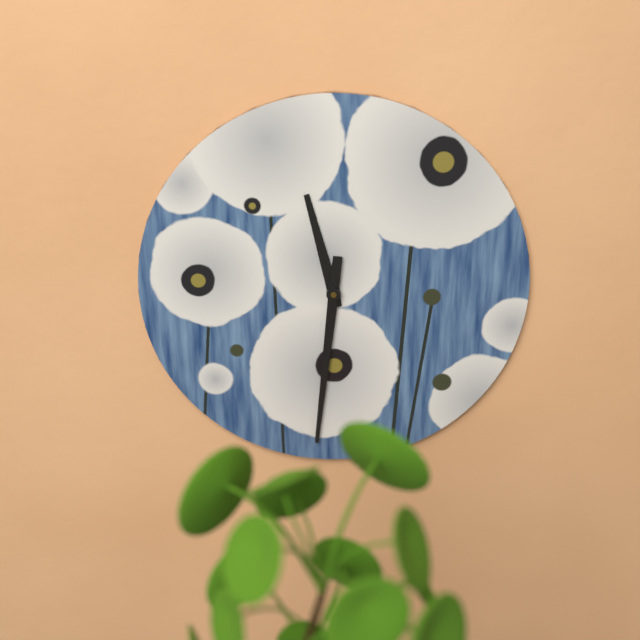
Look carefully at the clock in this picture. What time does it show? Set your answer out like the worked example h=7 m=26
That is h=11 m=31
